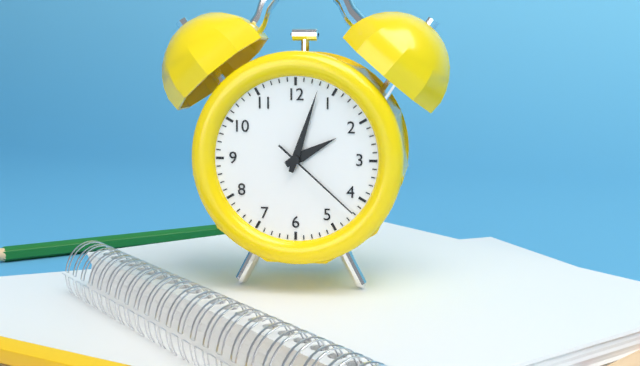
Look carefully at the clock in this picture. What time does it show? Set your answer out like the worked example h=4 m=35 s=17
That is h=2 m=3 s=22
